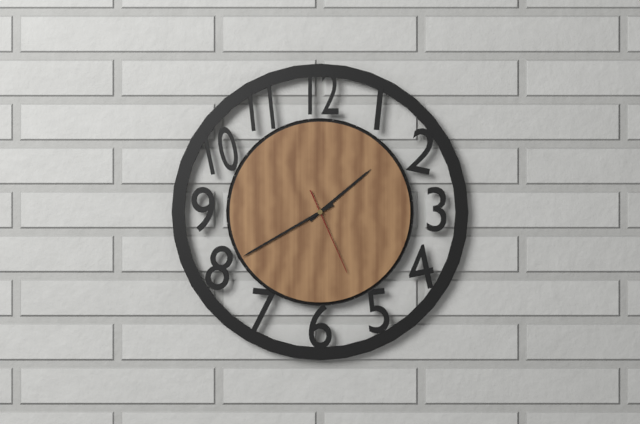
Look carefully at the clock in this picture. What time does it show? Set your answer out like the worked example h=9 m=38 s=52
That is h=1 m=40 s=26
